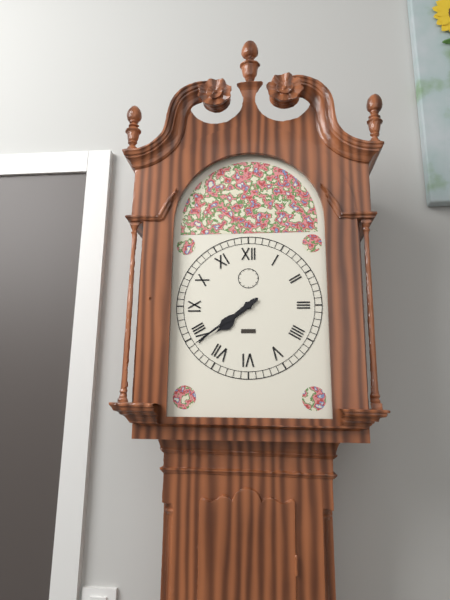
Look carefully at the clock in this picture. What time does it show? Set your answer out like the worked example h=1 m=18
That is h=7 m=39
